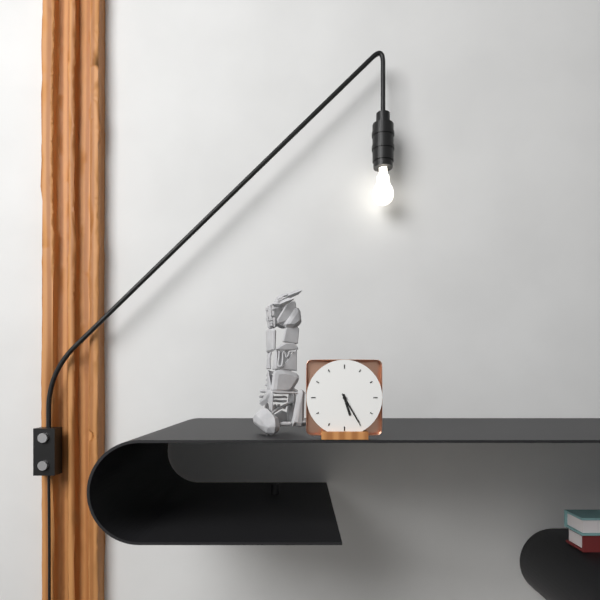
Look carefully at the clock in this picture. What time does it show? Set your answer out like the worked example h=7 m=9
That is h=5 m=25
